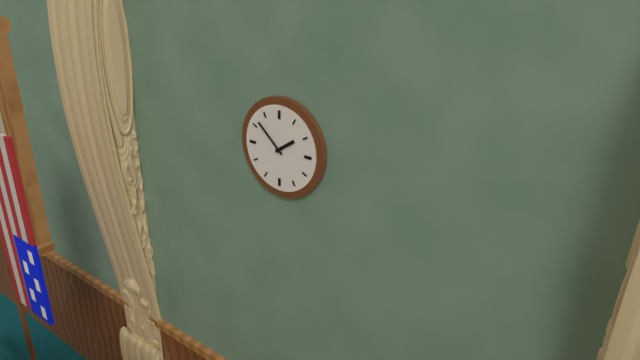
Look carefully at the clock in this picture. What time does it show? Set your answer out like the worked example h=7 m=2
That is h=1 m=52
